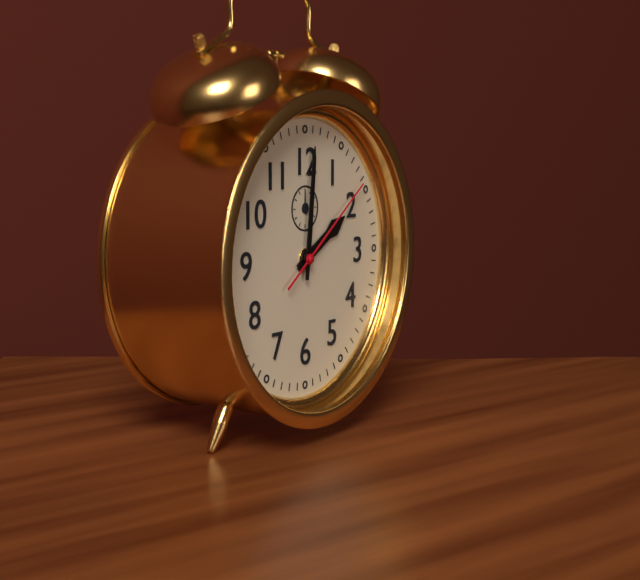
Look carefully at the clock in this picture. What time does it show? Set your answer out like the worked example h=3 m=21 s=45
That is h=2 m=1 s=9
